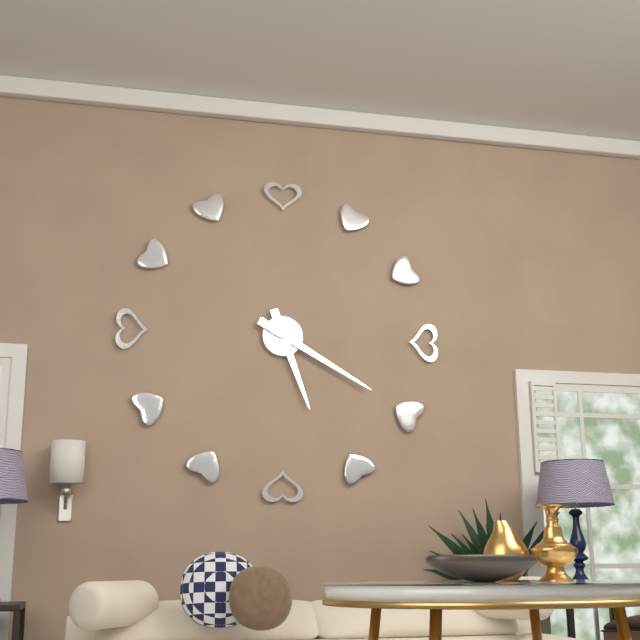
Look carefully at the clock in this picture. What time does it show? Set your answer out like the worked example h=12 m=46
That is h=5 m=20
